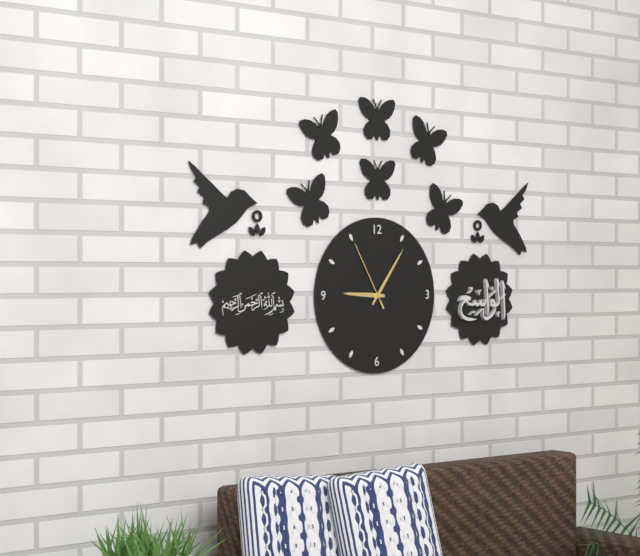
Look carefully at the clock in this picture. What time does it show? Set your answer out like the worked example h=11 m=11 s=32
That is h=9 m=6 s=55
